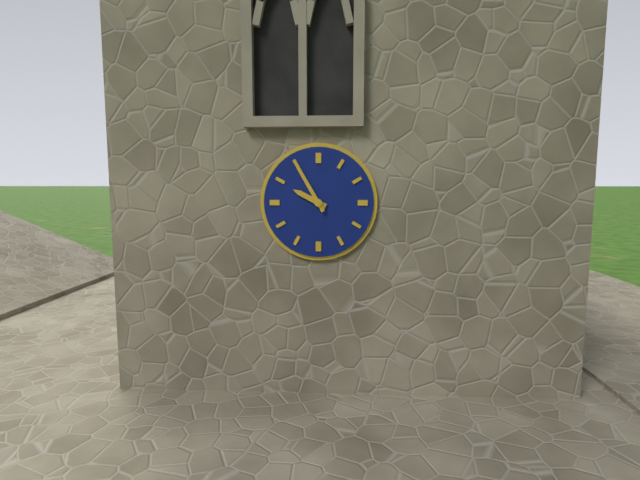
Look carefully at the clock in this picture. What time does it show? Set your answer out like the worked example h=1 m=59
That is h=9 m=55
